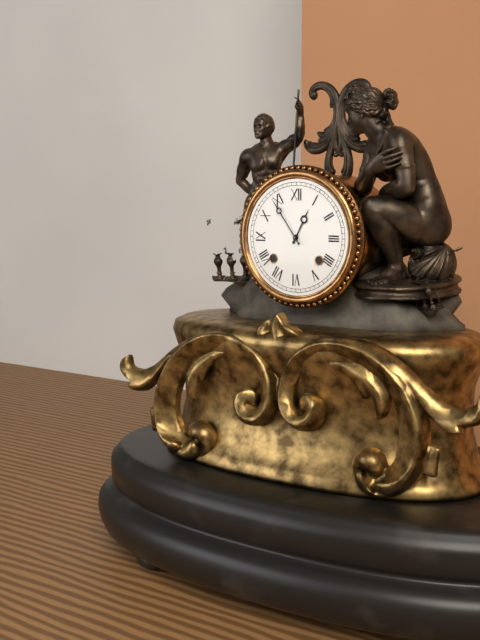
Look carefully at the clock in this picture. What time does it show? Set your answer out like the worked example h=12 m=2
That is h=12 m=54
